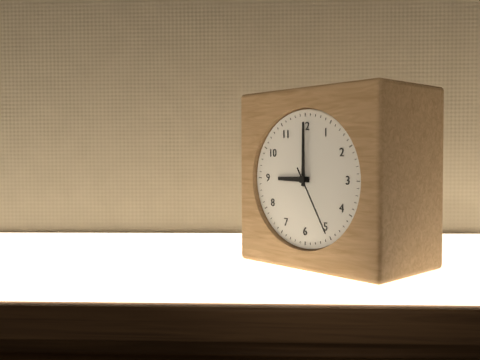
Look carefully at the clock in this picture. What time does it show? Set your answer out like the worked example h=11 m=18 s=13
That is h=9 m=0 s=25
